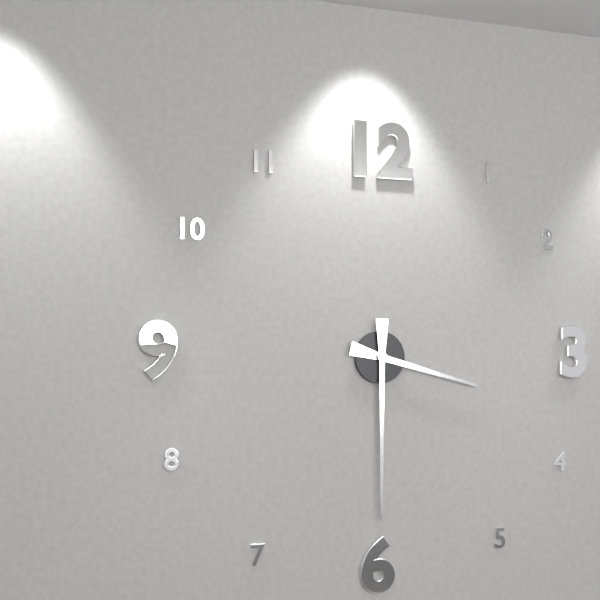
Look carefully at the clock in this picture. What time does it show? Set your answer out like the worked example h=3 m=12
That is h=3 m=30
